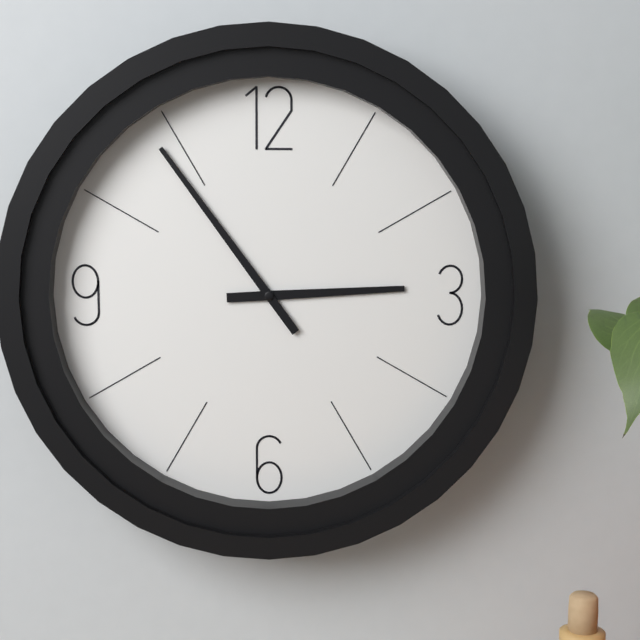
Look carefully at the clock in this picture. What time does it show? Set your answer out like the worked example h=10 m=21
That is h=2 m=54
